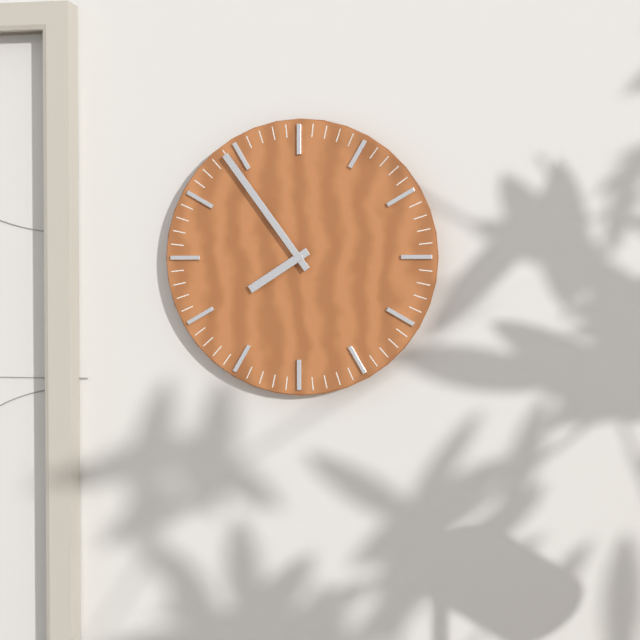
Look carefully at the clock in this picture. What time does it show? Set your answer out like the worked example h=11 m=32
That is h=7 m=54
